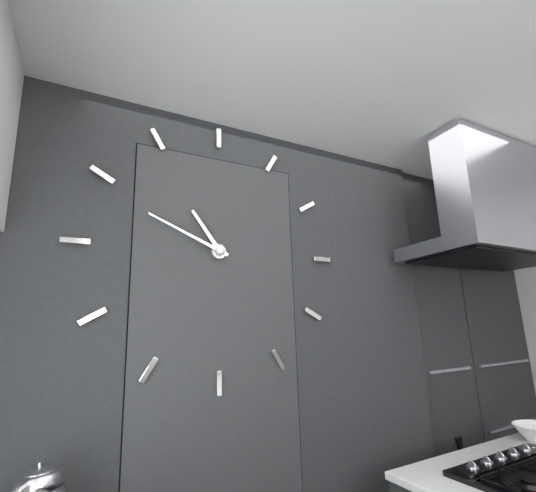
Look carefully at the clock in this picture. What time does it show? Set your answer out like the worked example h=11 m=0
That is h=10 m=49
